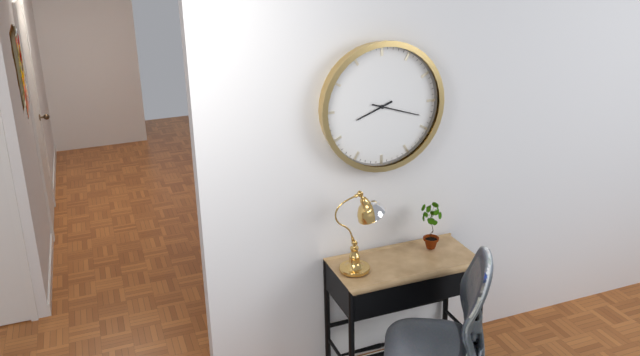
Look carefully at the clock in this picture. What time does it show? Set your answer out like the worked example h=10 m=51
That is h=8 m=18
